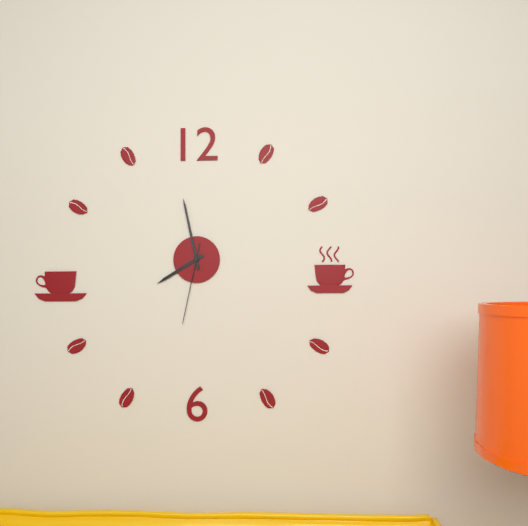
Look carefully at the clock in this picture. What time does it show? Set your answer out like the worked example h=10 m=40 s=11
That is h=7 m=58 s=32
